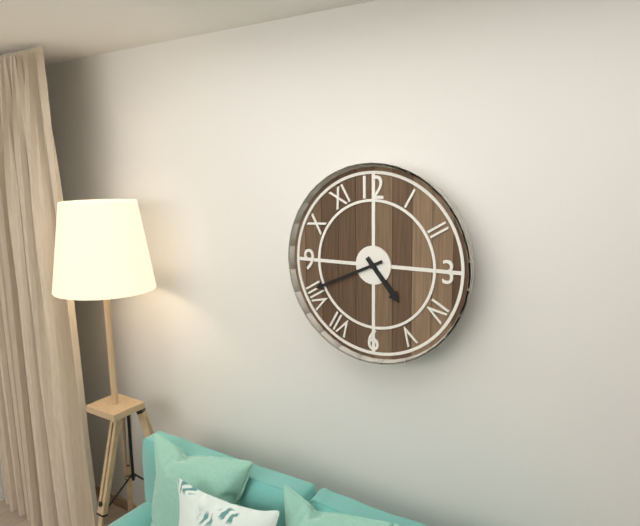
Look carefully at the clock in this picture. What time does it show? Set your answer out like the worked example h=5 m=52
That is h=4 m=41
